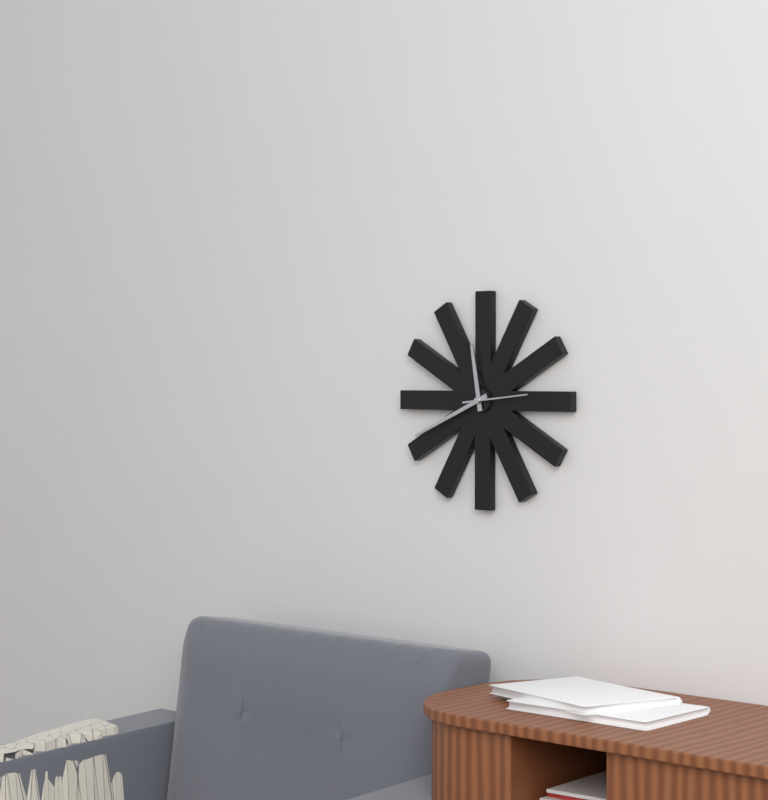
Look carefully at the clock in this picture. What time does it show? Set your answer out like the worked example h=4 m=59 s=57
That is h=11 m=41 s=14
